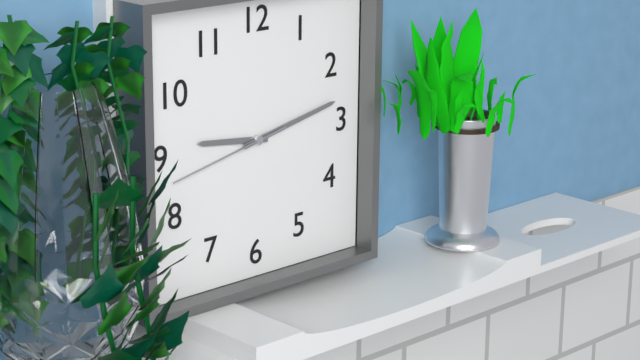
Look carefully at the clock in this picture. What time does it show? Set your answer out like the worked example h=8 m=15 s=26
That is h=9 m=13 s=43
